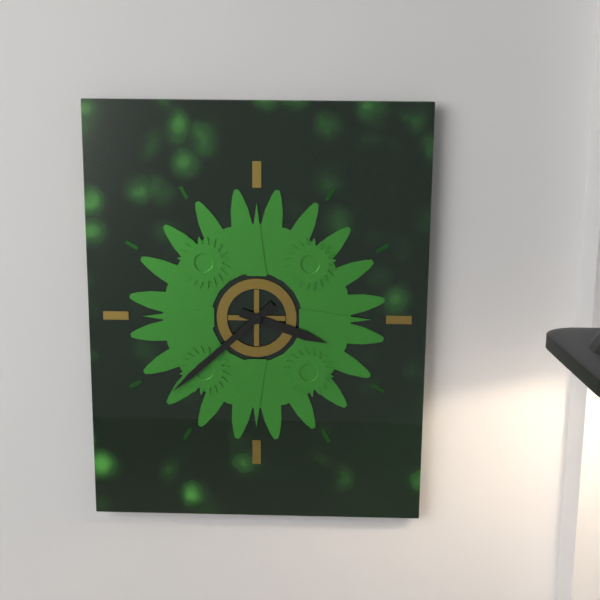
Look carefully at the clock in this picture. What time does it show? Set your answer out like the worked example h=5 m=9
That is h=3 m=38
